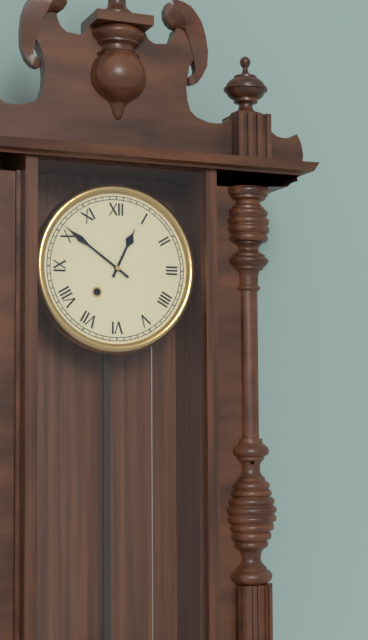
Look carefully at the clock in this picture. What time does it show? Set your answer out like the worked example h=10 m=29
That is h=12 m=51
